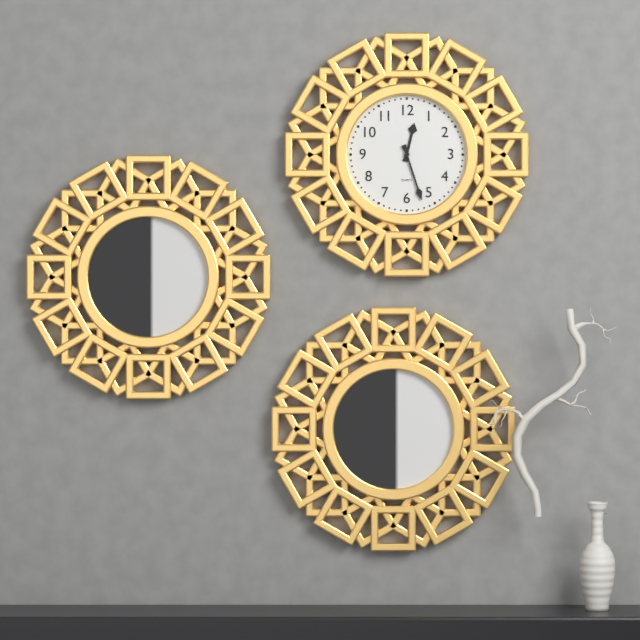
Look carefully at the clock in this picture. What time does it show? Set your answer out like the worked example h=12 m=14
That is h=12 m=27
